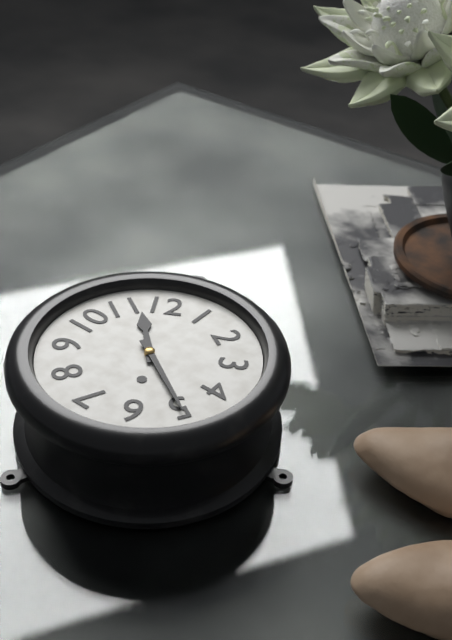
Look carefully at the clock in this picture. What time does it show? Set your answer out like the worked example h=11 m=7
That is h=11 m=25
